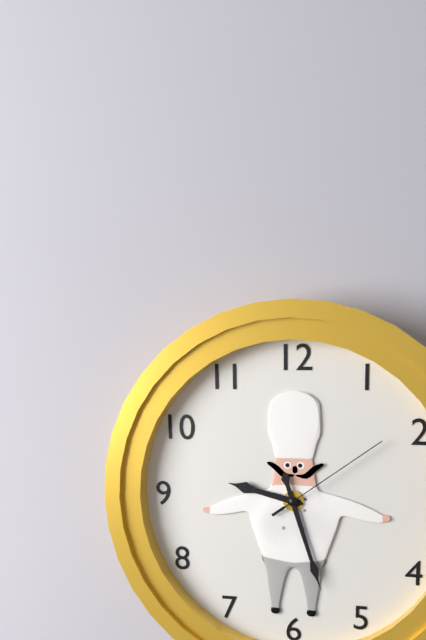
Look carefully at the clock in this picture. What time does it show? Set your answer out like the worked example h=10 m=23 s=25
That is h=9 m=27 s=9
